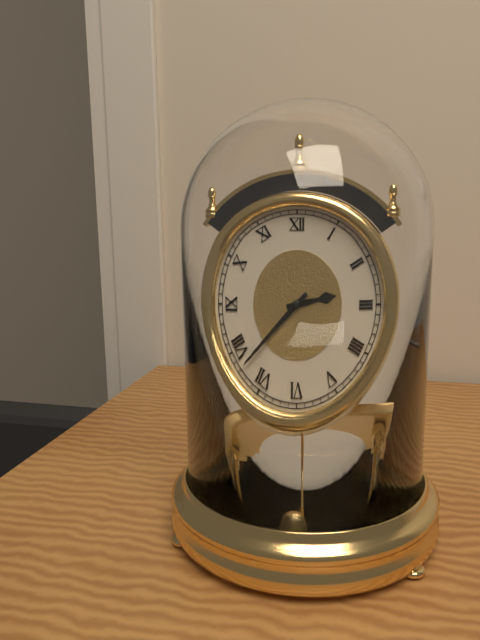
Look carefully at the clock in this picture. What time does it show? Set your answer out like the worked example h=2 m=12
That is h=2 m=38
